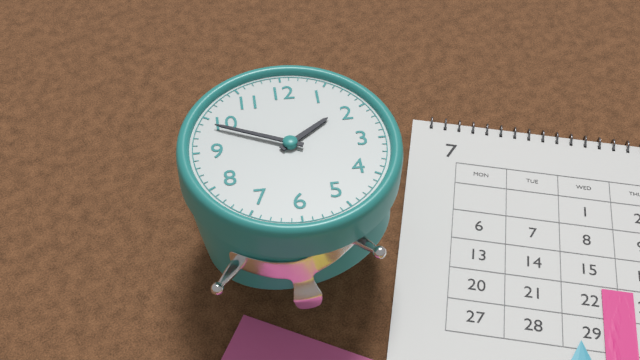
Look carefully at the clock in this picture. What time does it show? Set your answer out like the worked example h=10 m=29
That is h=1 m=49
